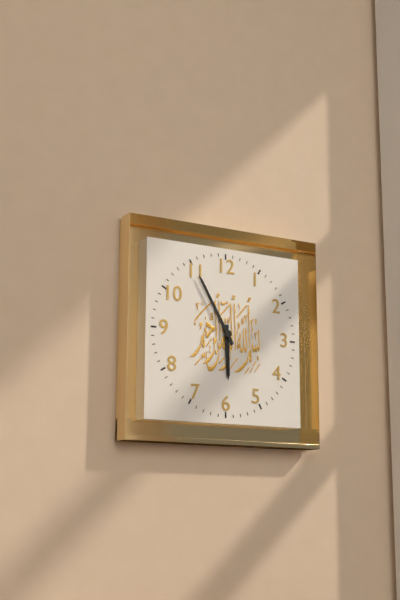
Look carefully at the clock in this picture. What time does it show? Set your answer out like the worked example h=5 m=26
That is h=5 m=55
